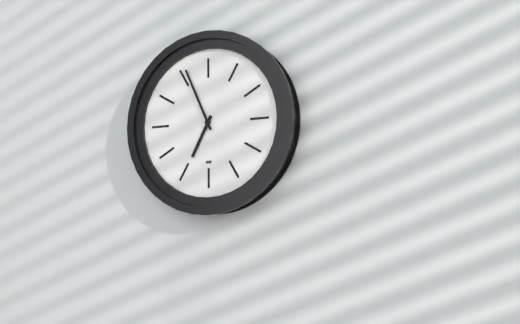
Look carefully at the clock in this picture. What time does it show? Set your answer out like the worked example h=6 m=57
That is h=6 m=56
